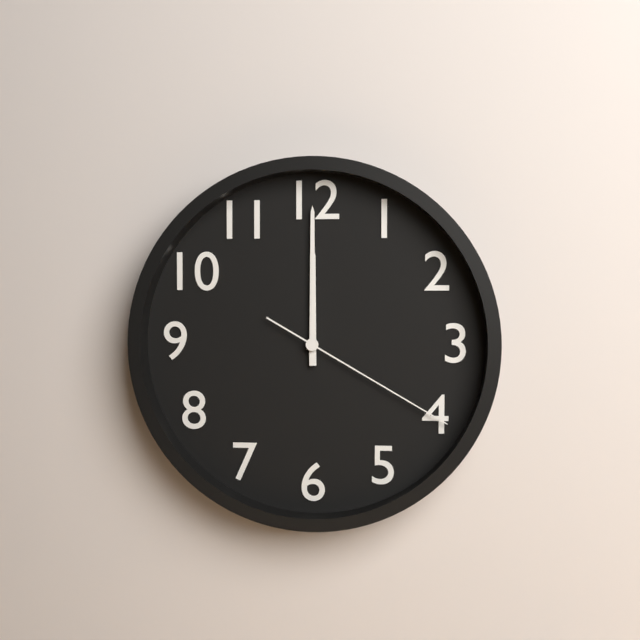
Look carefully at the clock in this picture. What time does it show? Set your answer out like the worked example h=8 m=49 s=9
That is h=12 m=0 s=20
